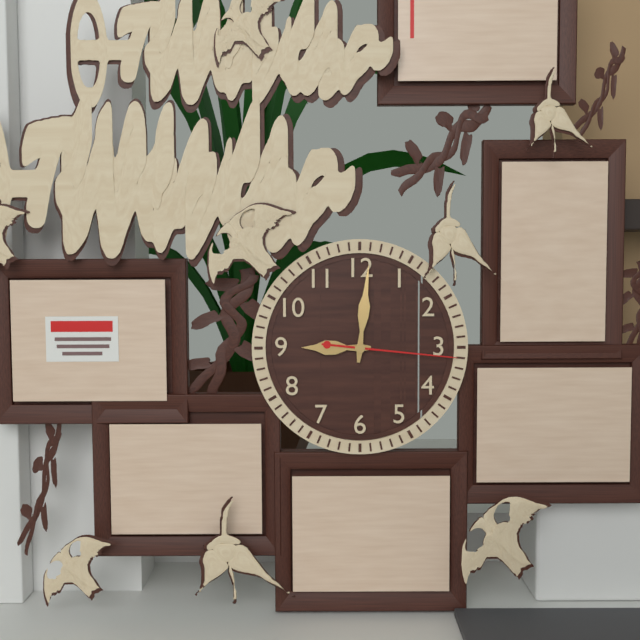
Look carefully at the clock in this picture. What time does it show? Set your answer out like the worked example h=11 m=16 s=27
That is h=9 m=1 s=16
